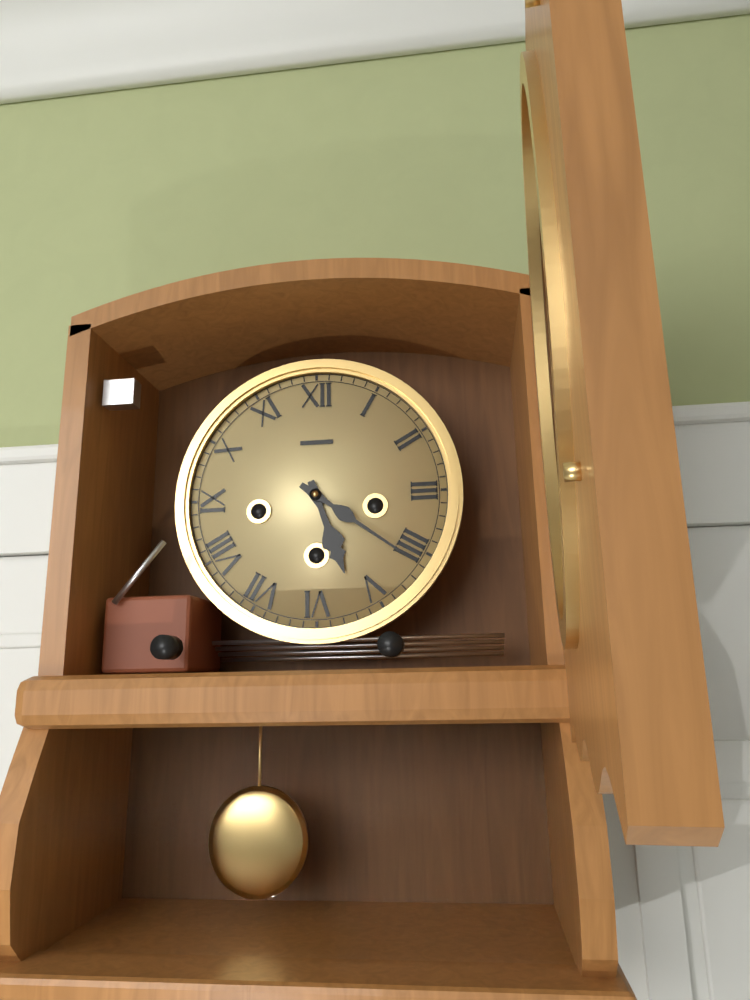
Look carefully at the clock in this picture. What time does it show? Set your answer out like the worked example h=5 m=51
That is h=5 m=21
